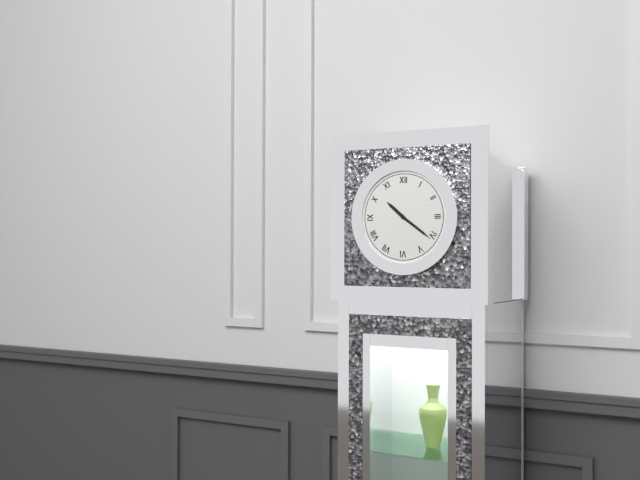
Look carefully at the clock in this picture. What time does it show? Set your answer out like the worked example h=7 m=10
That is h=10 m=21
